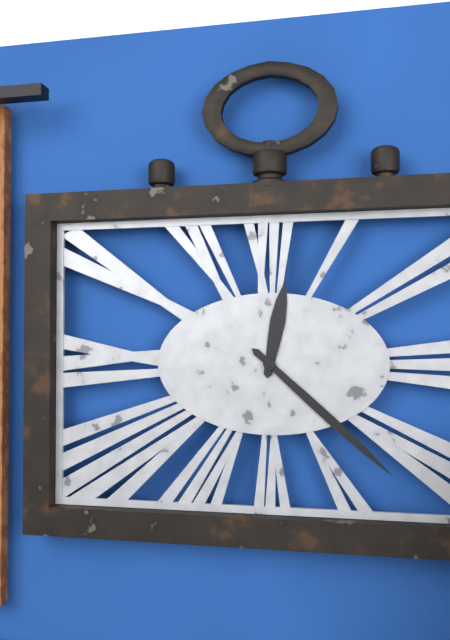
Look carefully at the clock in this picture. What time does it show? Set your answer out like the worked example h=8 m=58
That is h=12 m=22
